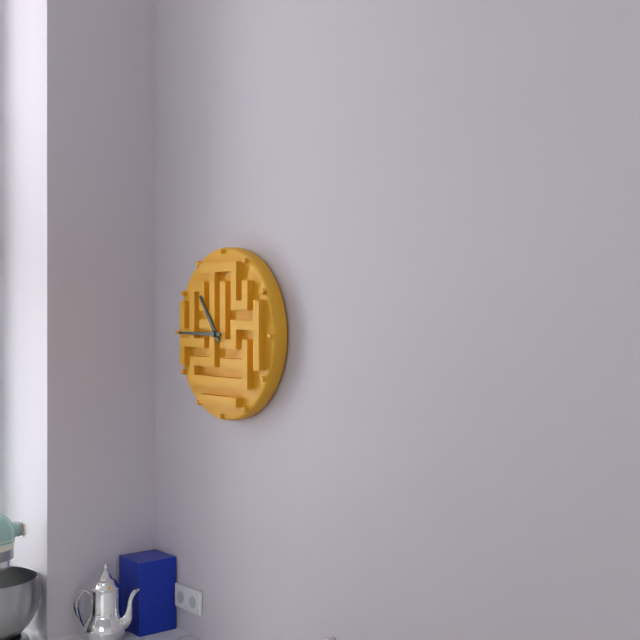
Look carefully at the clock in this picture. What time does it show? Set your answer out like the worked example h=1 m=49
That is h=10 m=45
